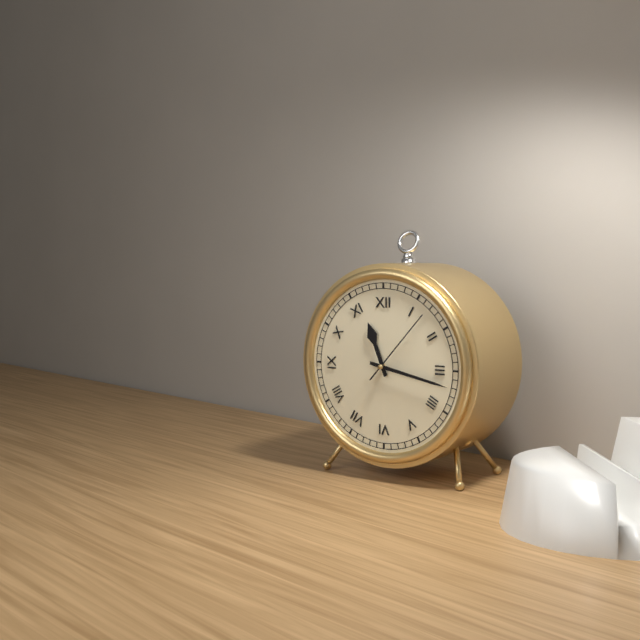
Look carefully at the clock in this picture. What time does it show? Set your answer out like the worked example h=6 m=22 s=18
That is h=11 m=17 s=7
